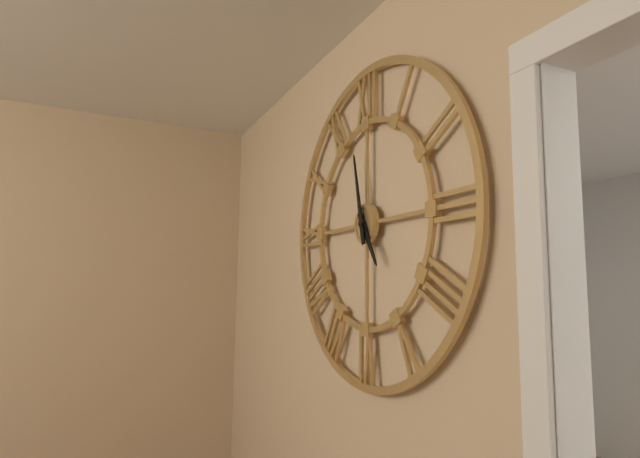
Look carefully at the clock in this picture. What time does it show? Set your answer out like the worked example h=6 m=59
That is h=4 m=58
